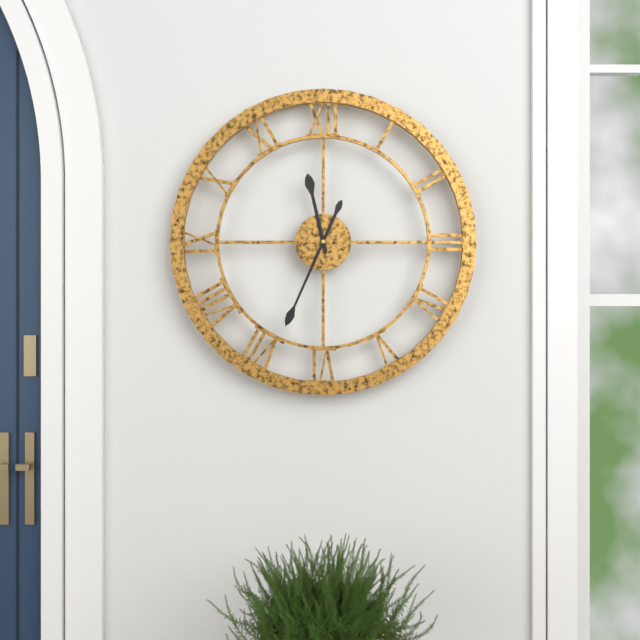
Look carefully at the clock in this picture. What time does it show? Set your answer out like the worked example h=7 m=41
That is h=11 m=34
